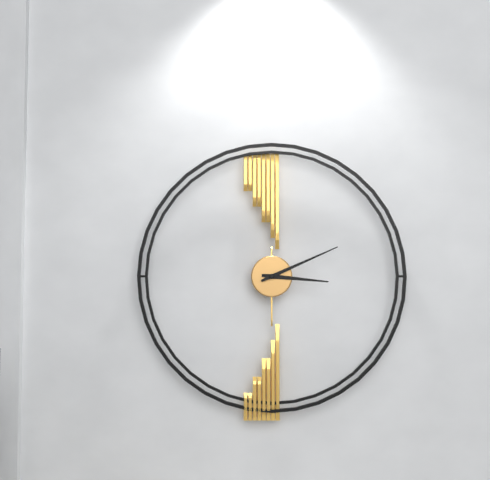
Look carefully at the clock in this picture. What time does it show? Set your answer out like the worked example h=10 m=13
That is h=3 m=11
